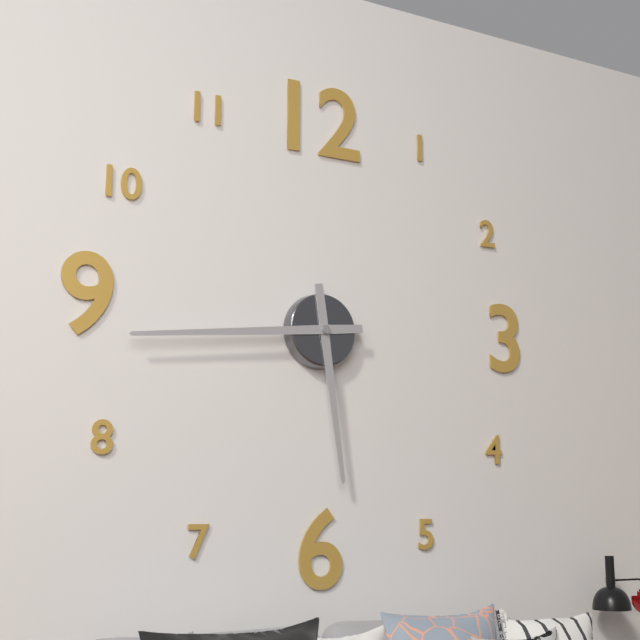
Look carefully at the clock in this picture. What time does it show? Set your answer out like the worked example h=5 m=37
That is h=5 m=44
